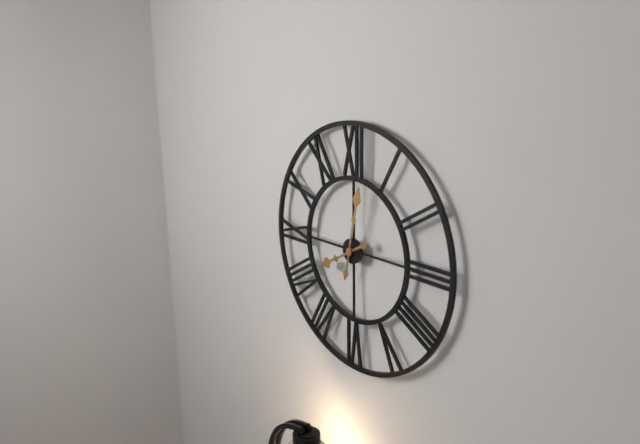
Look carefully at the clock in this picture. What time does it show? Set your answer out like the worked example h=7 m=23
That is h=8 m=2
